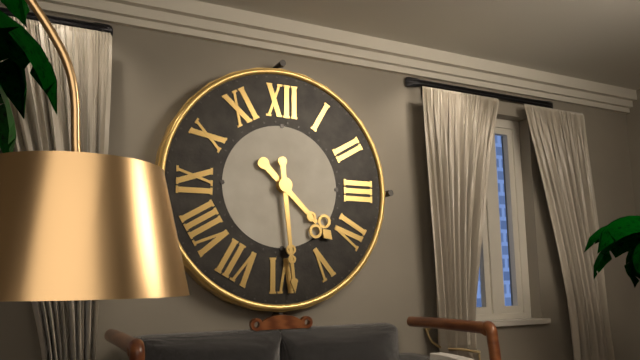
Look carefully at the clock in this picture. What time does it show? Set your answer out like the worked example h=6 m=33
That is h=4 m=29
